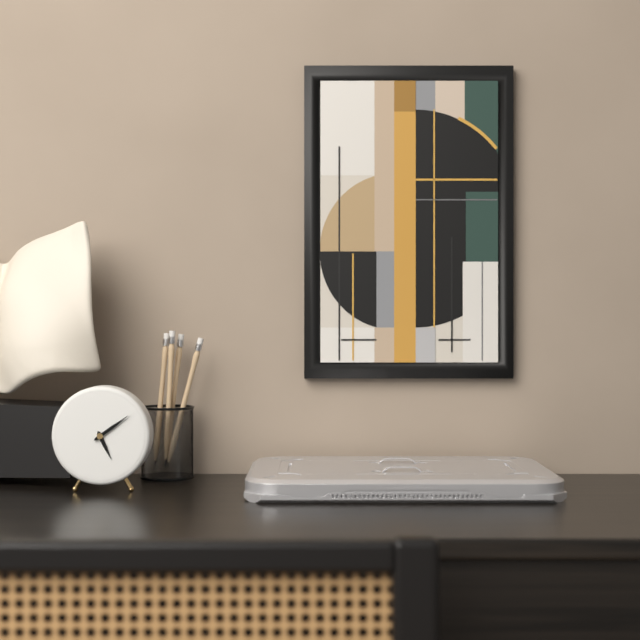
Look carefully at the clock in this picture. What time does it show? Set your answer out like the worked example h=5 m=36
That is h=5 m=9
